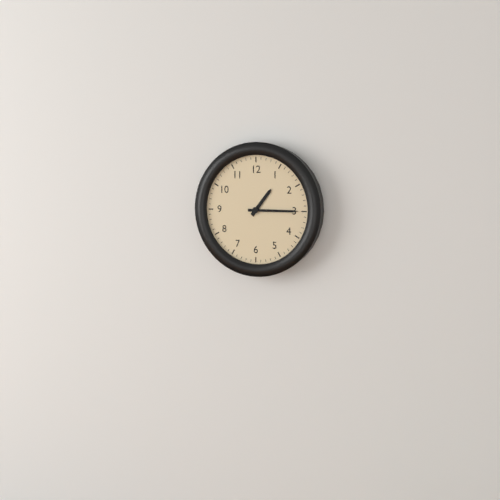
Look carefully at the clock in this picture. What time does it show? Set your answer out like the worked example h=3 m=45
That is h=1 m=15
